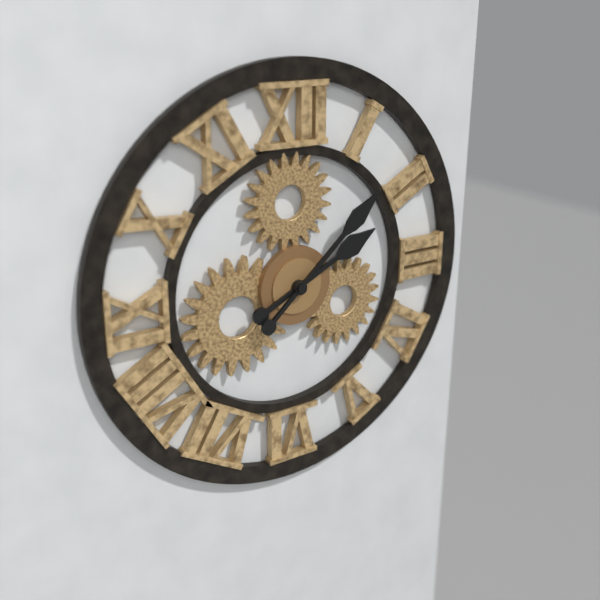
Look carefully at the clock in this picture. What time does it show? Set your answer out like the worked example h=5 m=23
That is h=2 m=8
